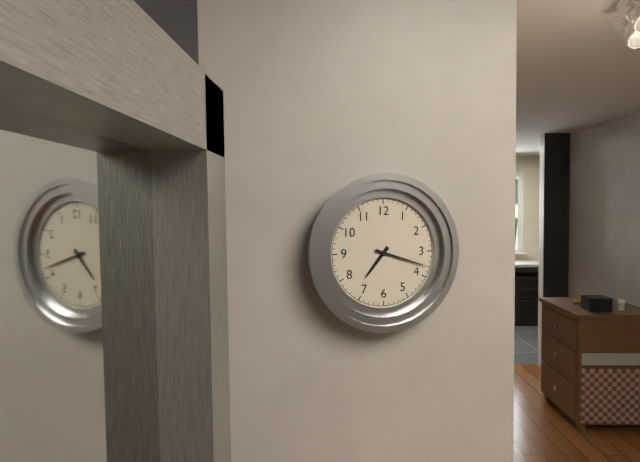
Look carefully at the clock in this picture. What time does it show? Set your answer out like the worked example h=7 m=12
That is h=7 m=18
